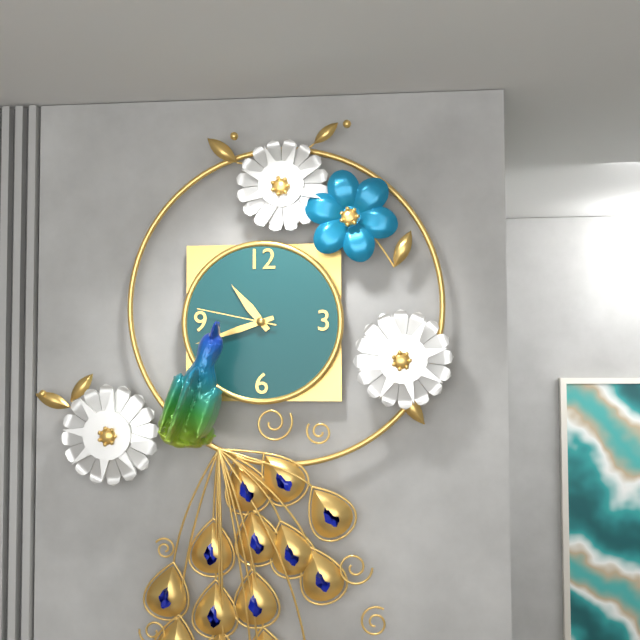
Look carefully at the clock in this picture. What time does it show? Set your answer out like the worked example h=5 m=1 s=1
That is h=10 m=42 s=47
